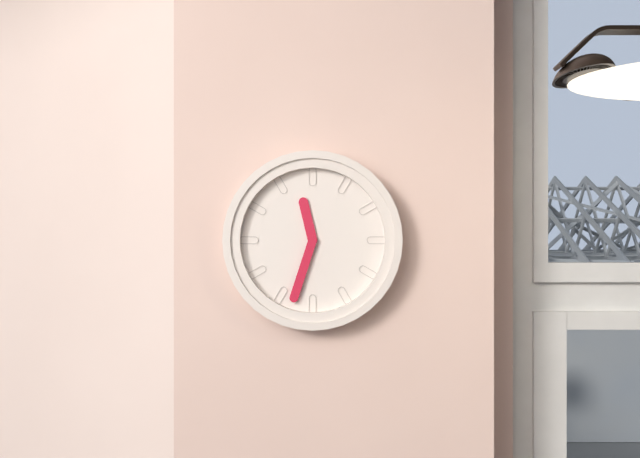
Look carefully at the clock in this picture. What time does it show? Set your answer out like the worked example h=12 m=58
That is h=11 m=33
